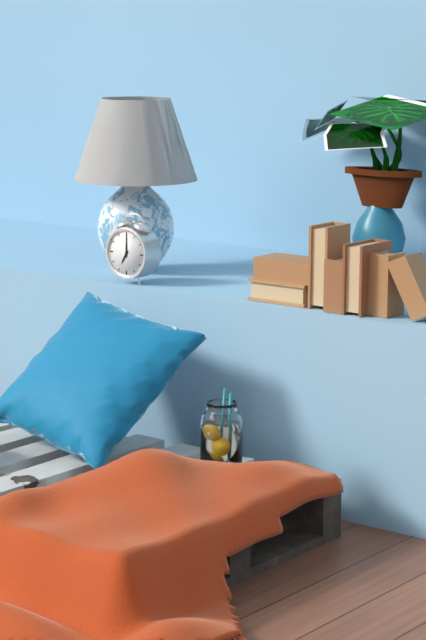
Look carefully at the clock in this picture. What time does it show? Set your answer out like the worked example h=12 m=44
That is h=7 m=0
